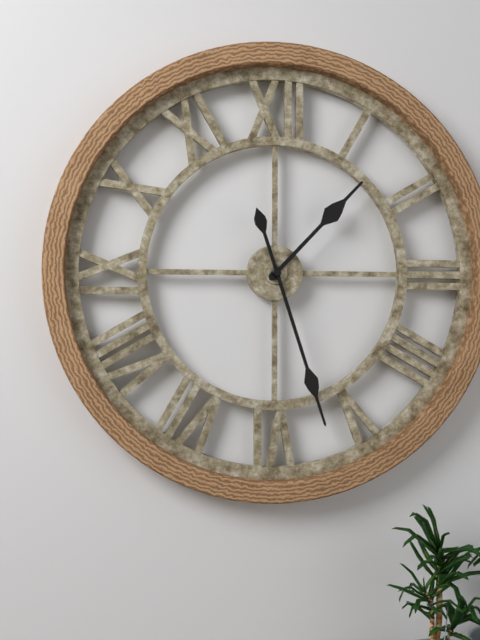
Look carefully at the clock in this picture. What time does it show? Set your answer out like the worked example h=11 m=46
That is h=1 m=27
